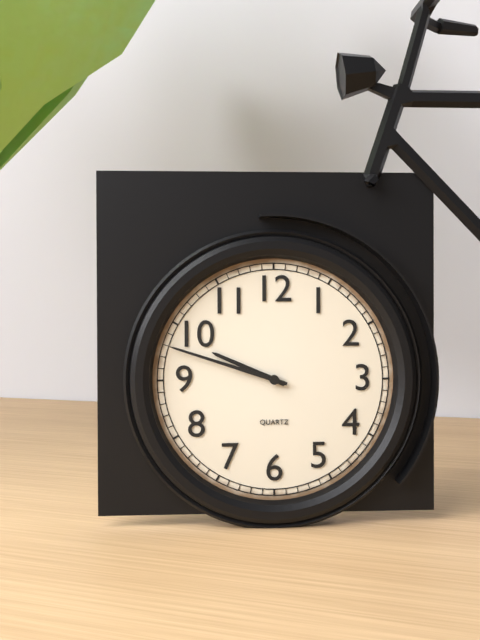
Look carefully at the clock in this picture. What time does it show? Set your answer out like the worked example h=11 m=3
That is h=9 m=48
